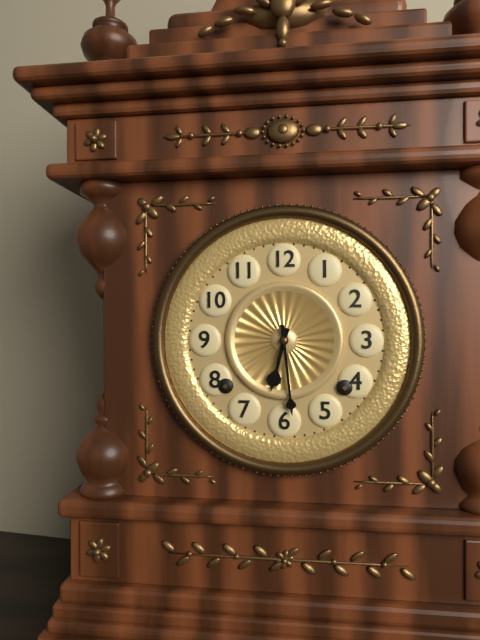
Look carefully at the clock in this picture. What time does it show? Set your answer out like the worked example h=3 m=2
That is h=6 m=29
